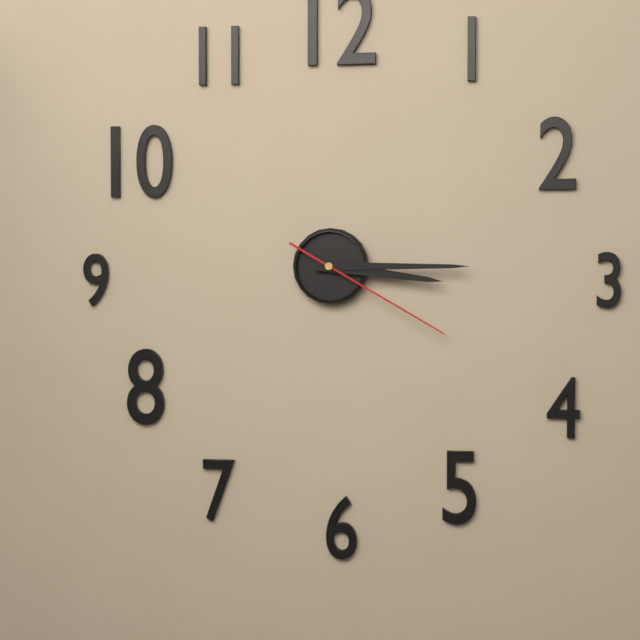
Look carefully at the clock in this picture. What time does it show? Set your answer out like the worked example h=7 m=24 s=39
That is h=3 m=15 s=20
